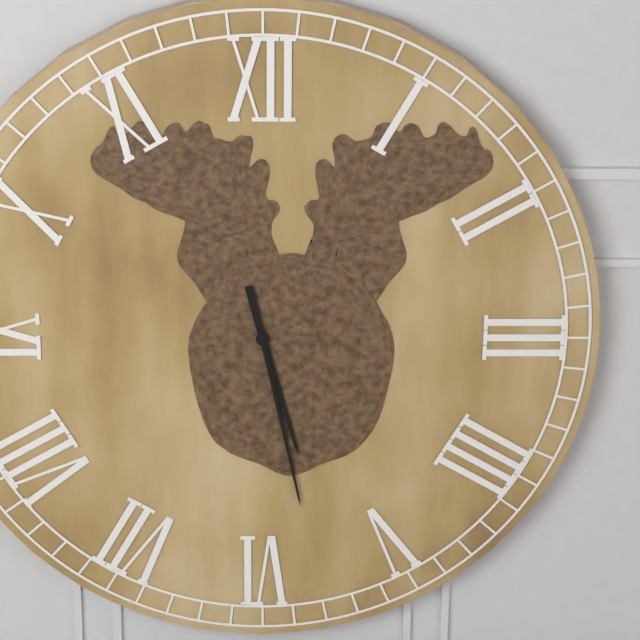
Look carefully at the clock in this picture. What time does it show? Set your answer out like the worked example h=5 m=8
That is h=5 m=28
